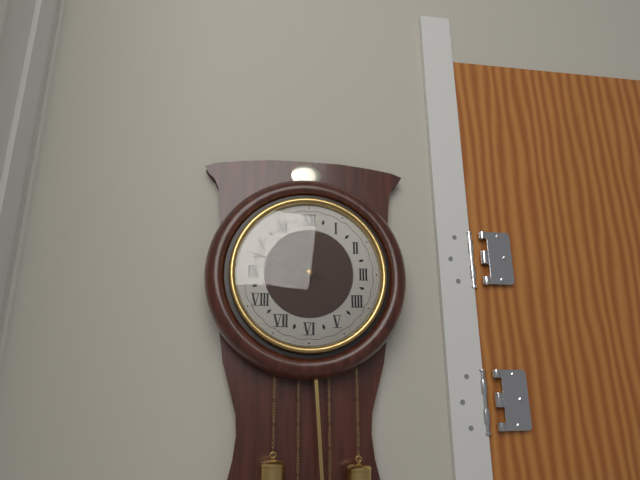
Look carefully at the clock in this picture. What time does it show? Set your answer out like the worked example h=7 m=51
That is h=11 m=48
